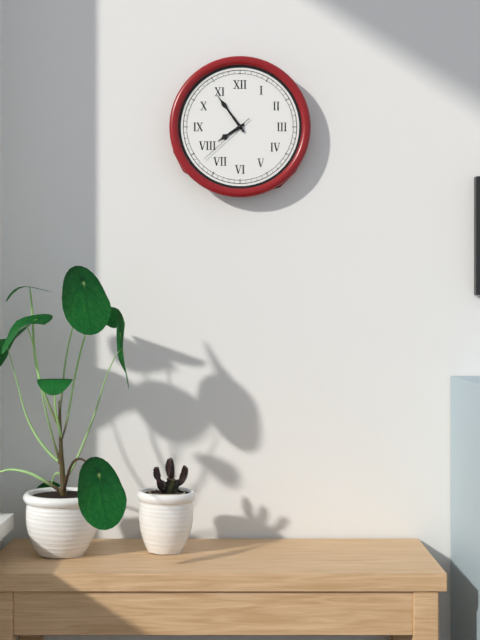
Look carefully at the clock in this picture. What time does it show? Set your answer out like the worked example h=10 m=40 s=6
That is h=7 m=54 s=38
